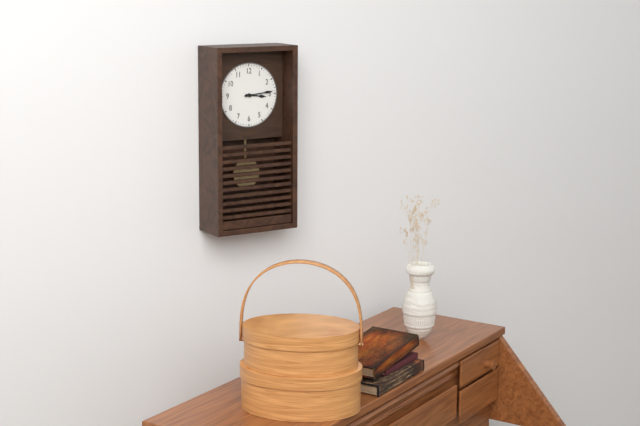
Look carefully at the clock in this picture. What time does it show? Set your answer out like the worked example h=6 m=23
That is h=3 m=14
